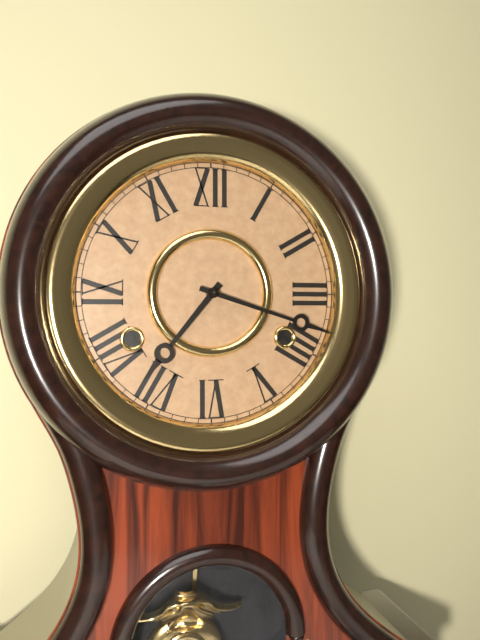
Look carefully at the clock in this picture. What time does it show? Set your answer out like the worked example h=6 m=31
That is h=7 m=18
